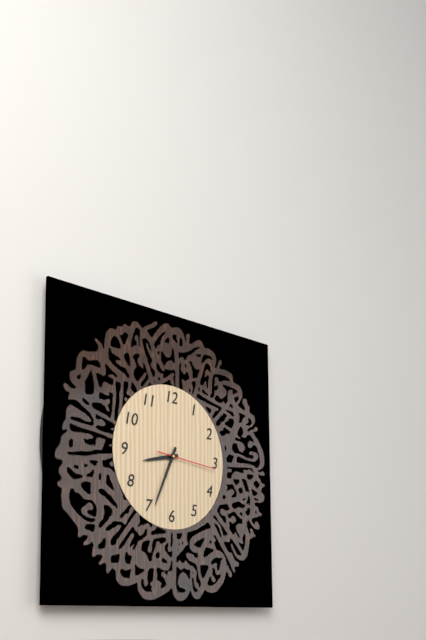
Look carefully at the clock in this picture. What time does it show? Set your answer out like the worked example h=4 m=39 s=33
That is h=8 m=34 s=16
